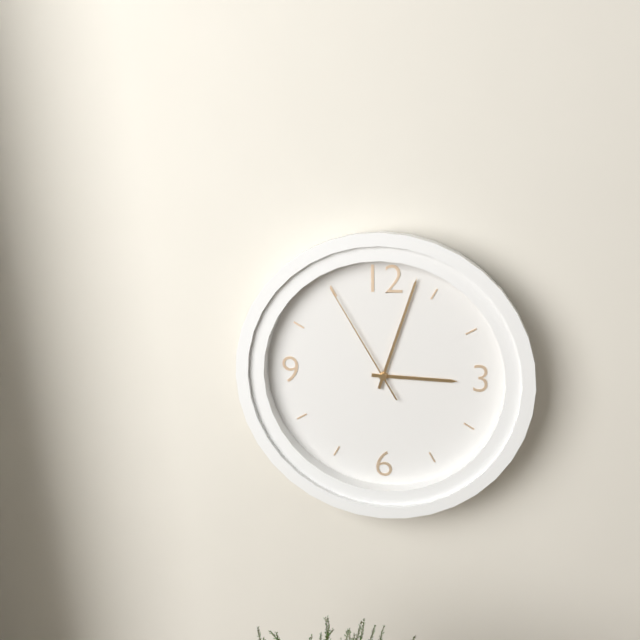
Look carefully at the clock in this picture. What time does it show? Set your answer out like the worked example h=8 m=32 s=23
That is h=3 m=3 s=55
